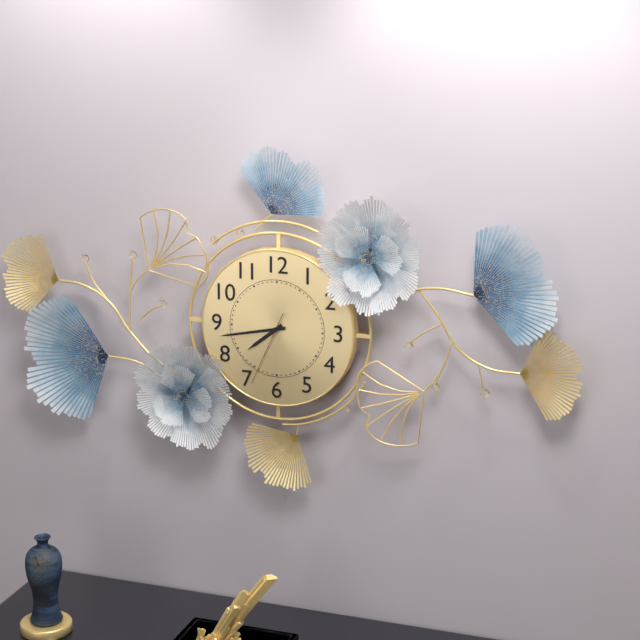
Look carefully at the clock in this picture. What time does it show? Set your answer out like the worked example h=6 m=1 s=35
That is h=7 m=43 s=34
